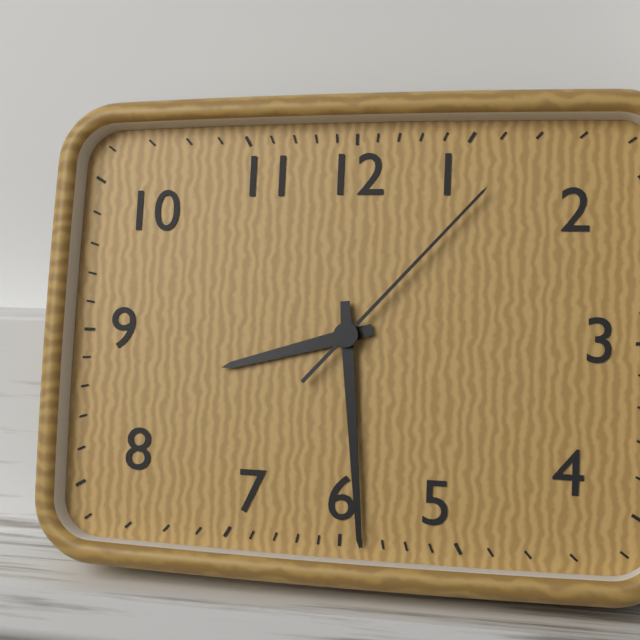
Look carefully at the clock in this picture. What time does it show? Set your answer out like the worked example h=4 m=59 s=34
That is h=8 m=29 s=7
